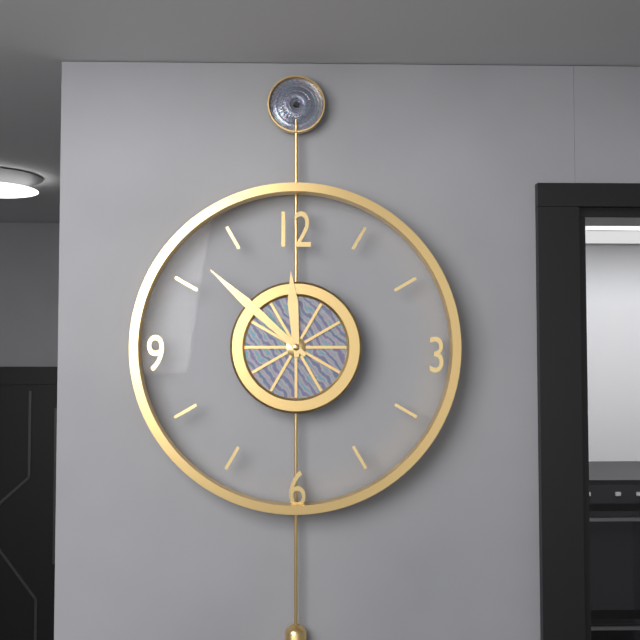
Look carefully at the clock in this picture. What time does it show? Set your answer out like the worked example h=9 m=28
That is h=11 m=52
